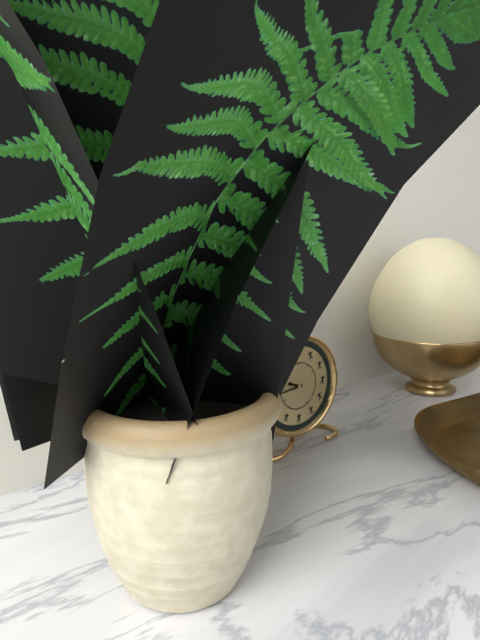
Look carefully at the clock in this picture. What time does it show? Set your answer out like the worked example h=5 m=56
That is h=9 m=44
